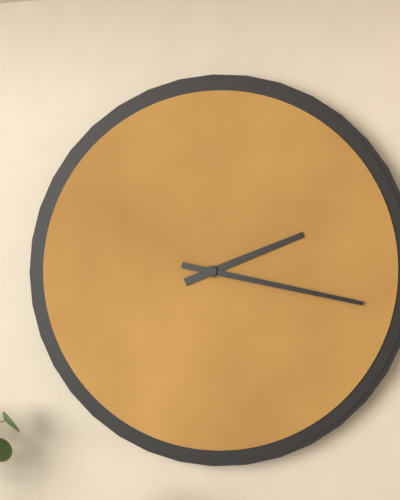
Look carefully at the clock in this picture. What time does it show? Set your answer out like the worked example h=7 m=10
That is h=2 m=17
